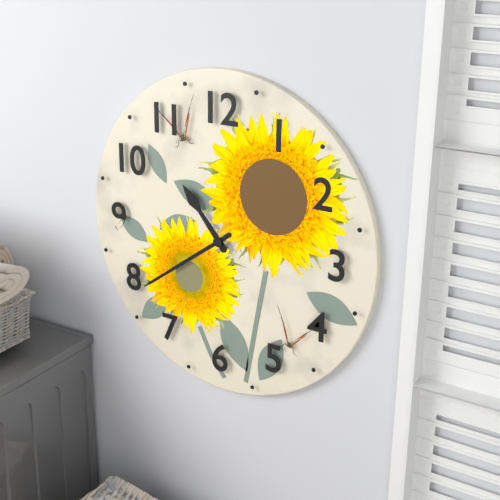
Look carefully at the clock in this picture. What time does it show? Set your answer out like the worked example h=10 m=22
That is h=10 m=39
